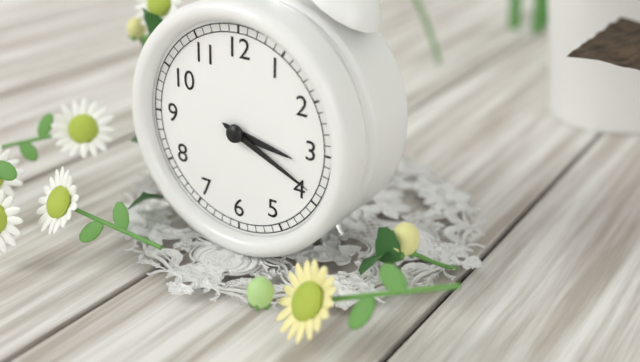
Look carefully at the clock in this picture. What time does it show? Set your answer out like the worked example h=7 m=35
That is h=3 m=19
